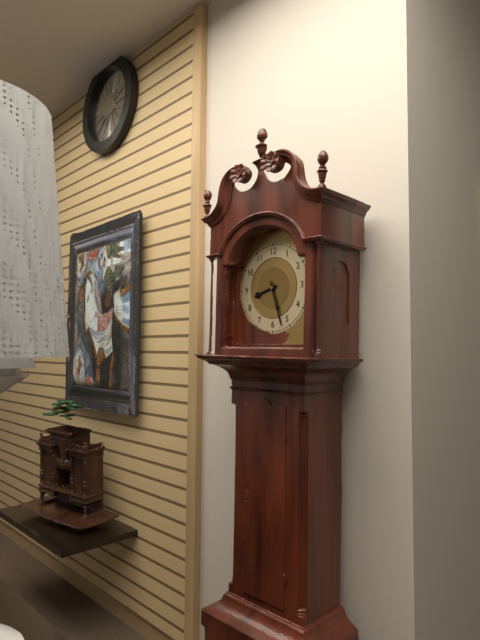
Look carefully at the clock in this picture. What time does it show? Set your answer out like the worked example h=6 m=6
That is h=8 m=27
